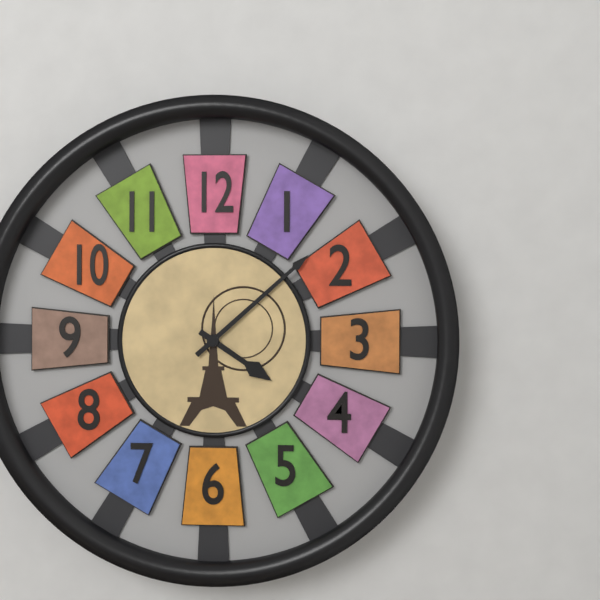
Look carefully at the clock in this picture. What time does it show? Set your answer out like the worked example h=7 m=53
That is h=4 m=8
